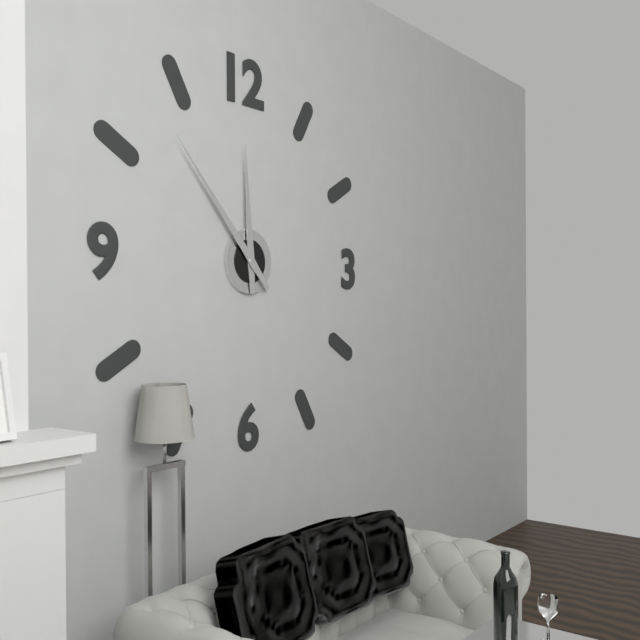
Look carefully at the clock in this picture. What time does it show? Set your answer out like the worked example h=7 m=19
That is h=11 m=53
